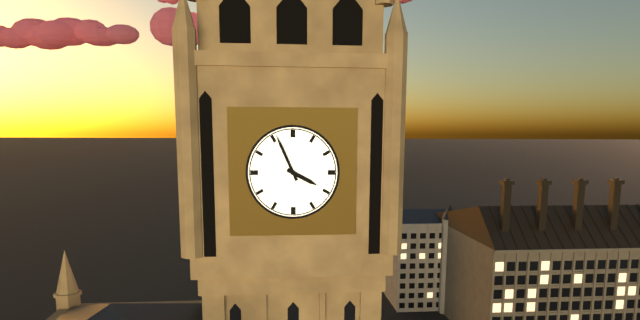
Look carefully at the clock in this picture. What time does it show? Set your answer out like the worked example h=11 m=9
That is h=3 m=56
